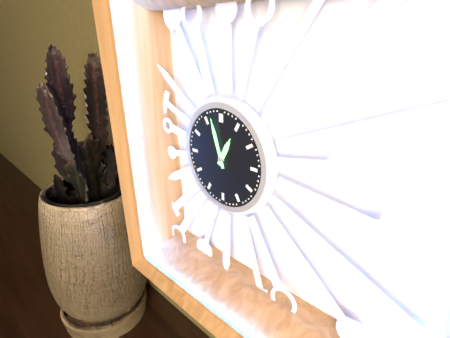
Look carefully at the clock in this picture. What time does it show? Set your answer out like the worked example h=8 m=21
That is h=12 m=57
